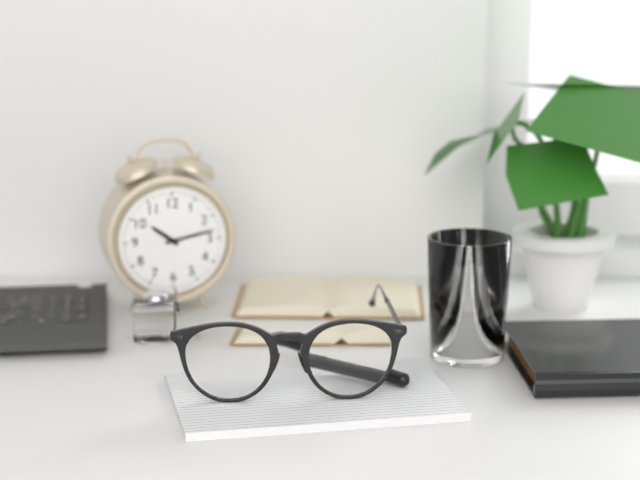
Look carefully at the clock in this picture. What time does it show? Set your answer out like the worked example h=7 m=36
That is h=10 m=13
